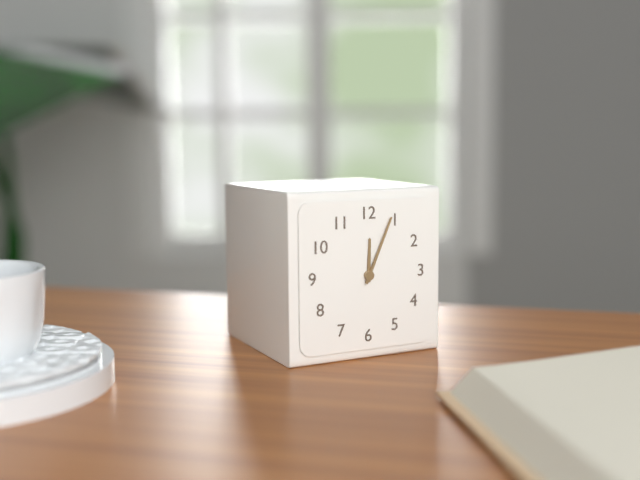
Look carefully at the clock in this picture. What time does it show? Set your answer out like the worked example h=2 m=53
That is h=12 m=4
